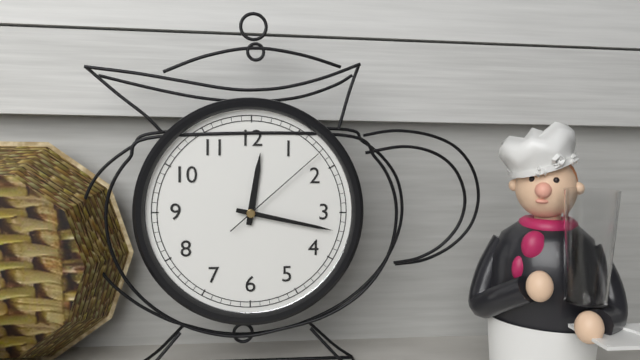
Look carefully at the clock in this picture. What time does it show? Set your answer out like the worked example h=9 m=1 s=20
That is h=12 m=17 s=8
